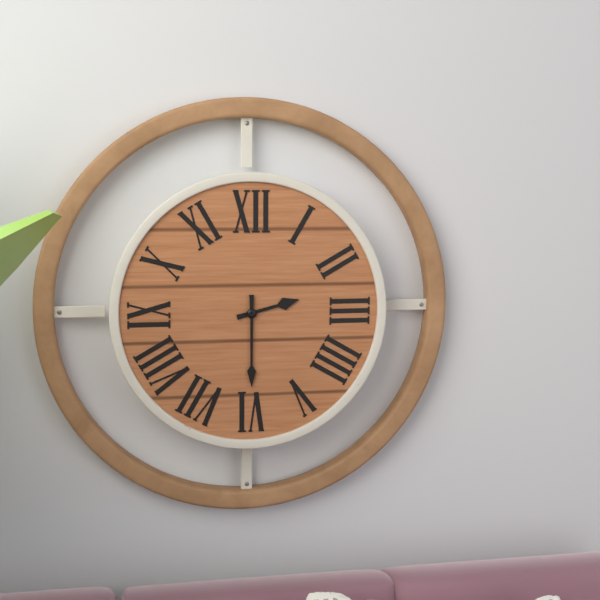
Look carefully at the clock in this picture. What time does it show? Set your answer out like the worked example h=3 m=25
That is h=2 m=30
